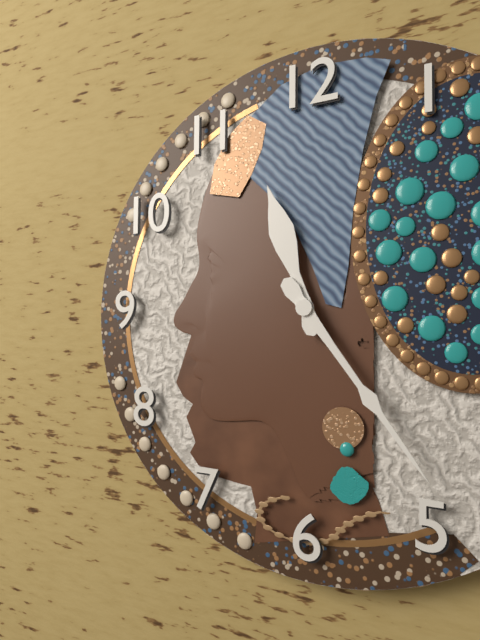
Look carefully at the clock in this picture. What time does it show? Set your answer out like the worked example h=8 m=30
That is h=11 m=24
